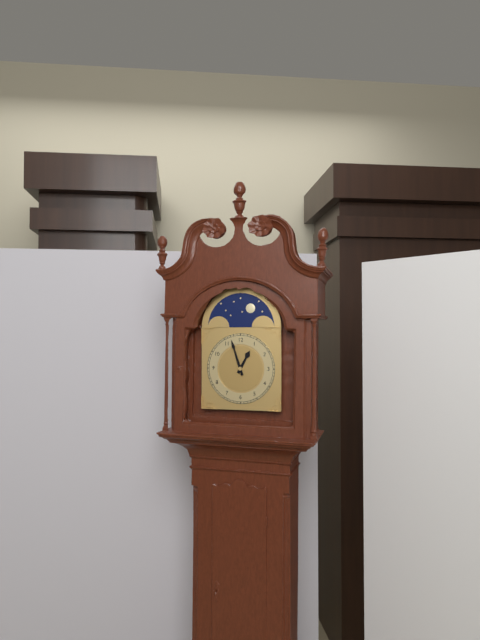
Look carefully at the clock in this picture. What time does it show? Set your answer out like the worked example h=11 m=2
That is h=12 m=57
